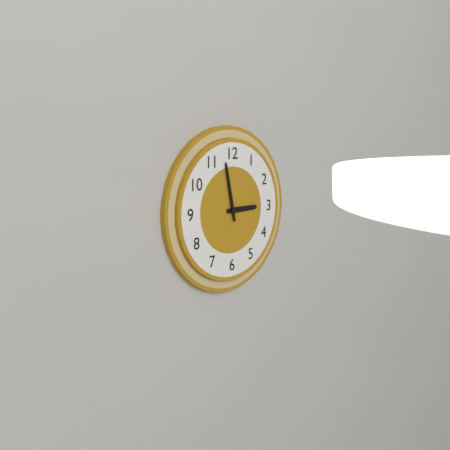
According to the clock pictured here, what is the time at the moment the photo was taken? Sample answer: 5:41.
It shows 2:58
